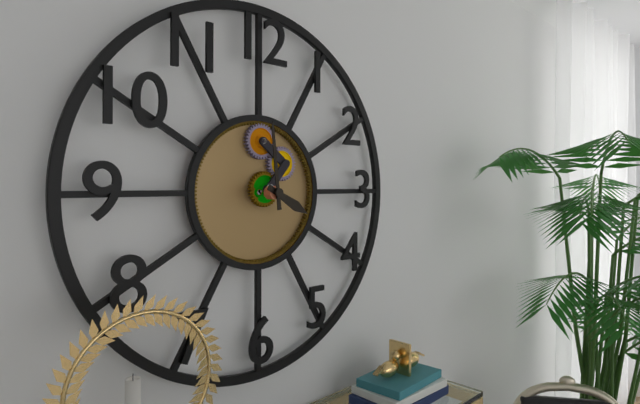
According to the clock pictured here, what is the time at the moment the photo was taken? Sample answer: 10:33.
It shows 3:59
